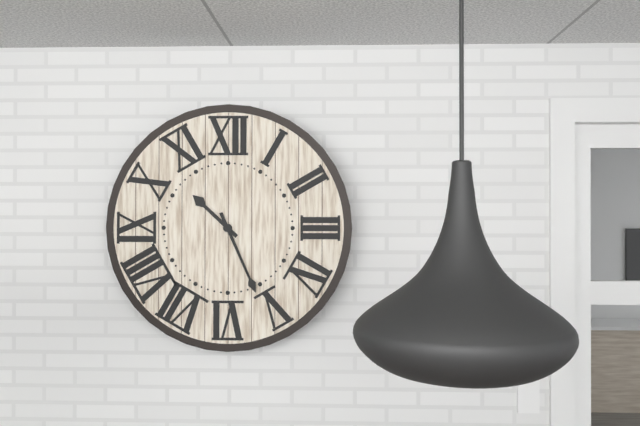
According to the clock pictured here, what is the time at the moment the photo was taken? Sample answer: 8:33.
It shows 10:26
